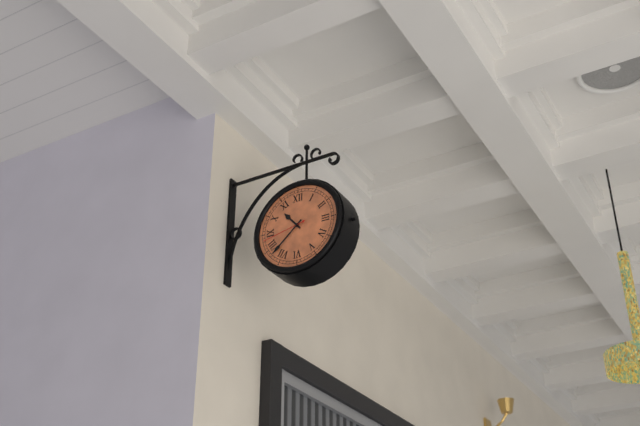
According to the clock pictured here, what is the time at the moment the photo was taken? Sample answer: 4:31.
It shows 10:38
